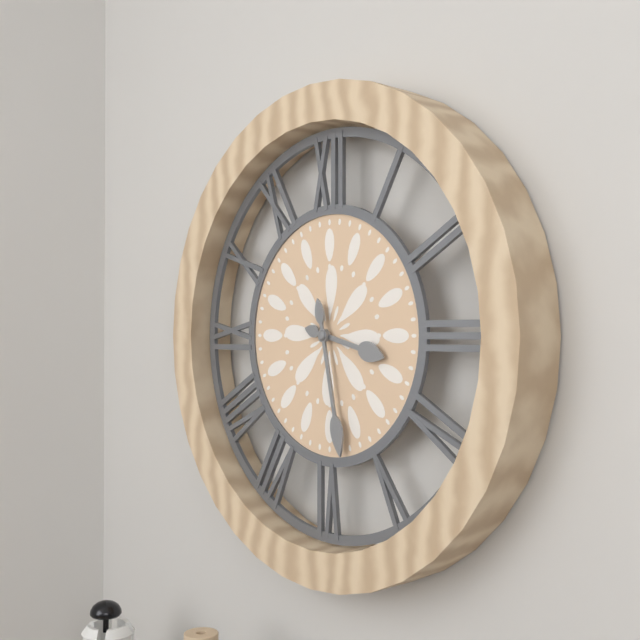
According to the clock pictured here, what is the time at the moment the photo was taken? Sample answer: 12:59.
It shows 3:28
